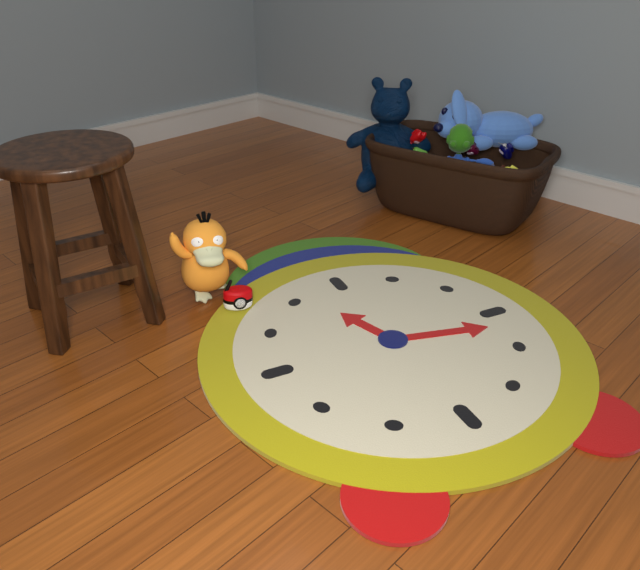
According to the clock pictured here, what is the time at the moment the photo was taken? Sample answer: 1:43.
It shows 11:17
